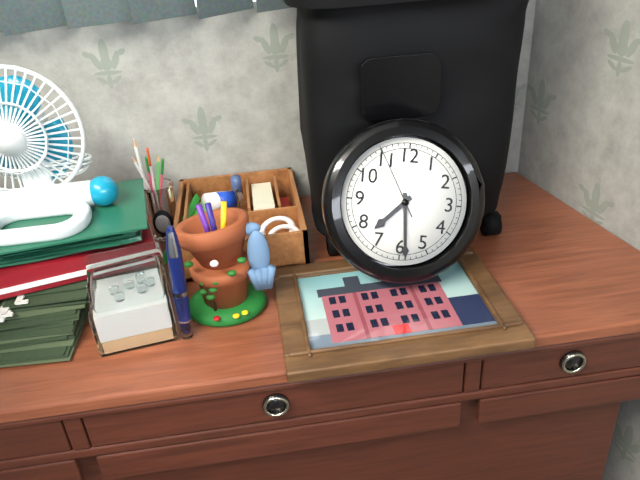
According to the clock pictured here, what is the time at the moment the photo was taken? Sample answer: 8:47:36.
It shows 7:29:55
